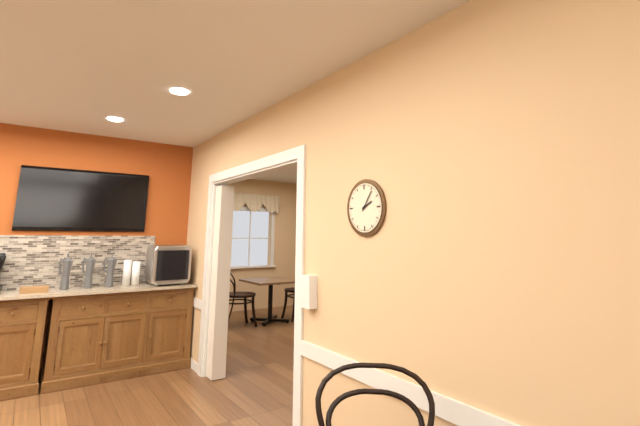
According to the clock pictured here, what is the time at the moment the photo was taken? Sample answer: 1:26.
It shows 2:06
